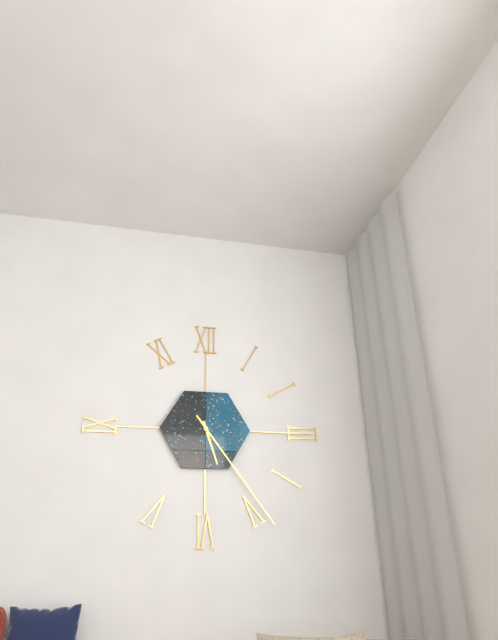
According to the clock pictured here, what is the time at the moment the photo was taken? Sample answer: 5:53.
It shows 5:24
